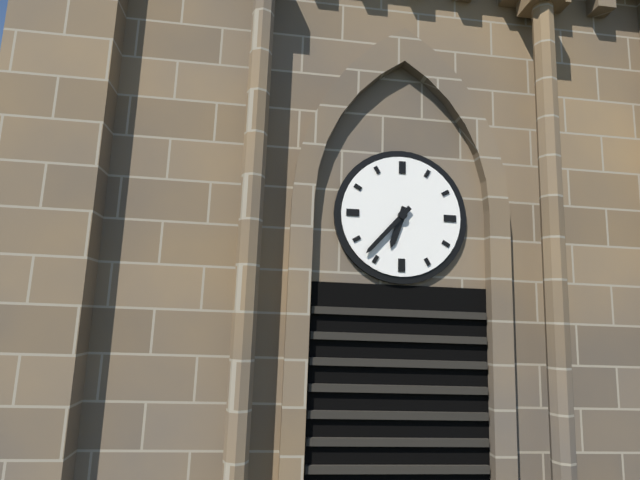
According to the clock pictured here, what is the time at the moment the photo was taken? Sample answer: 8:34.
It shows 6:37
